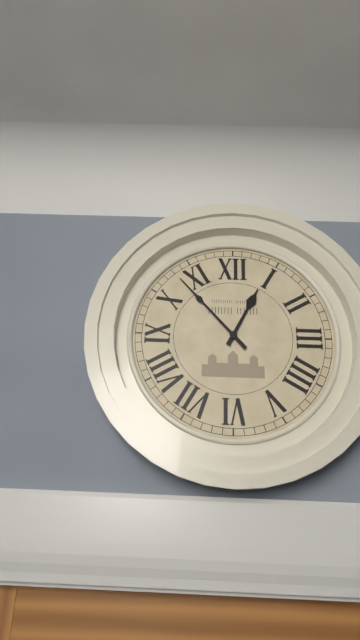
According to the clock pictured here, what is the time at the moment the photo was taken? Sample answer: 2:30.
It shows 12:53
